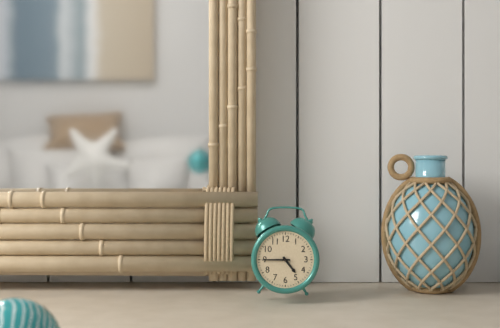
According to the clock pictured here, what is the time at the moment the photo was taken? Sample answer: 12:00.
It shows 4:45
